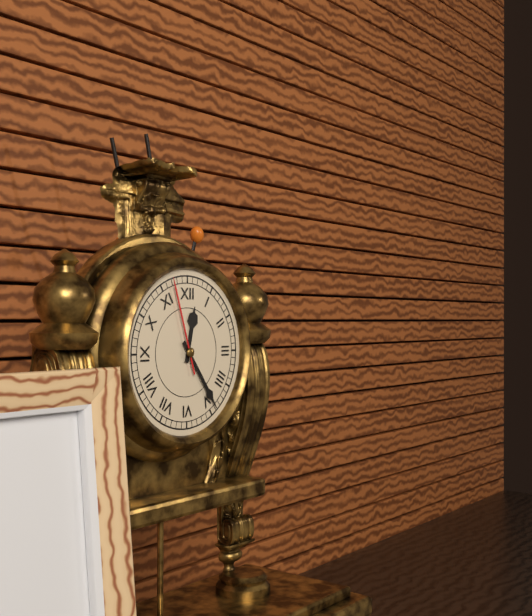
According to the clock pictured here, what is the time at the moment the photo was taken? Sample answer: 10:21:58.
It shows 12:24:57
